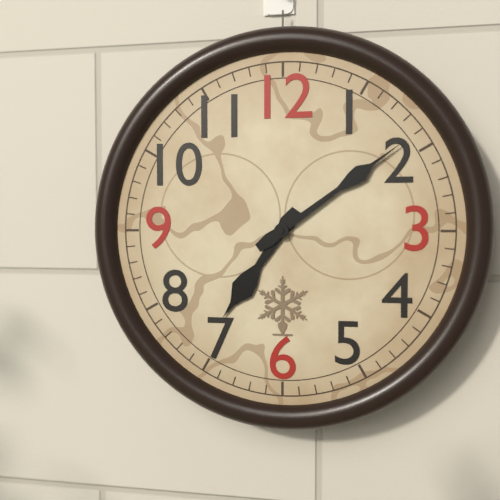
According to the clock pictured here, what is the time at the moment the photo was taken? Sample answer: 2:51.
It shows 7:09
